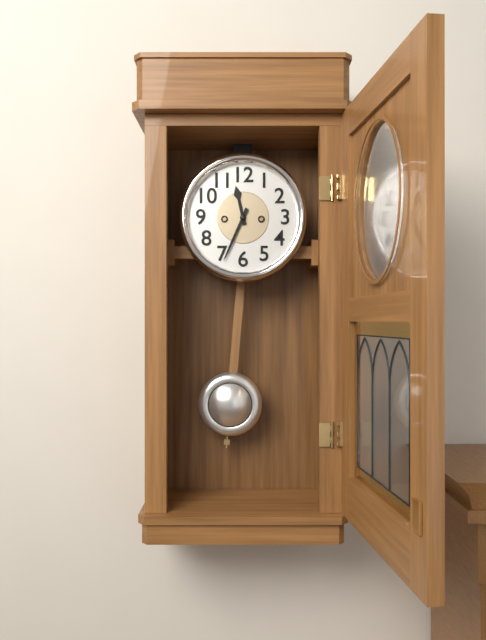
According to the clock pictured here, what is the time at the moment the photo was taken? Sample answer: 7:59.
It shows 11:34
